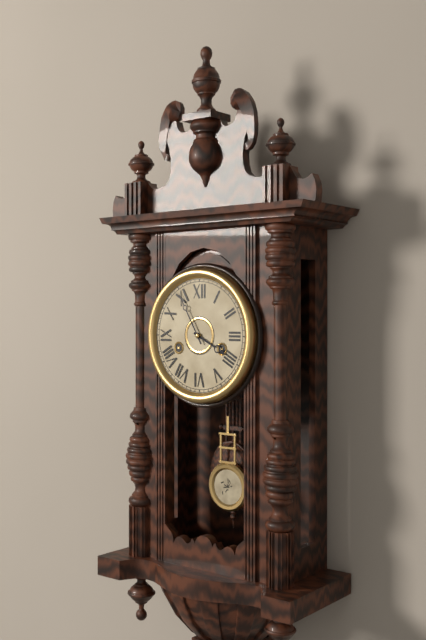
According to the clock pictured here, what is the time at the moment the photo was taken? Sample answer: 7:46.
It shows 3:55
